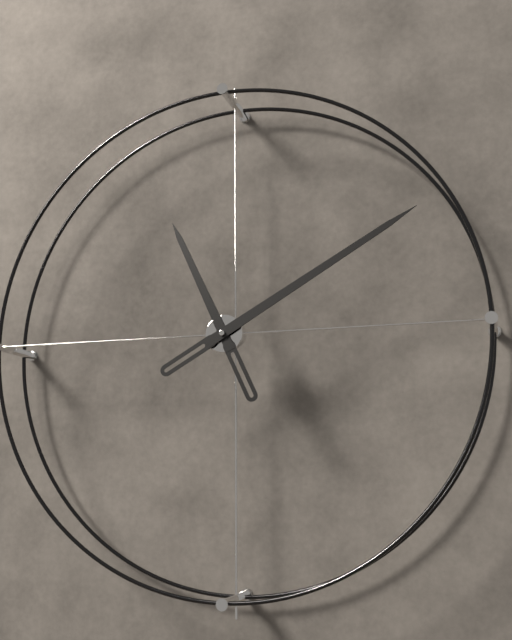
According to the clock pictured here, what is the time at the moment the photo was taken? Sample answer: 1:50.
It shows 11:10
